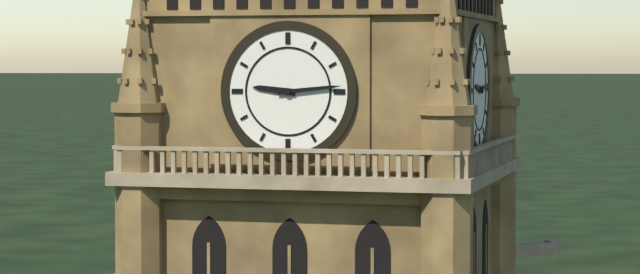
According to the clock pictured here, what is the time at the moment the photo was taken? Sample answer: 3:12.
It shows 9:14
